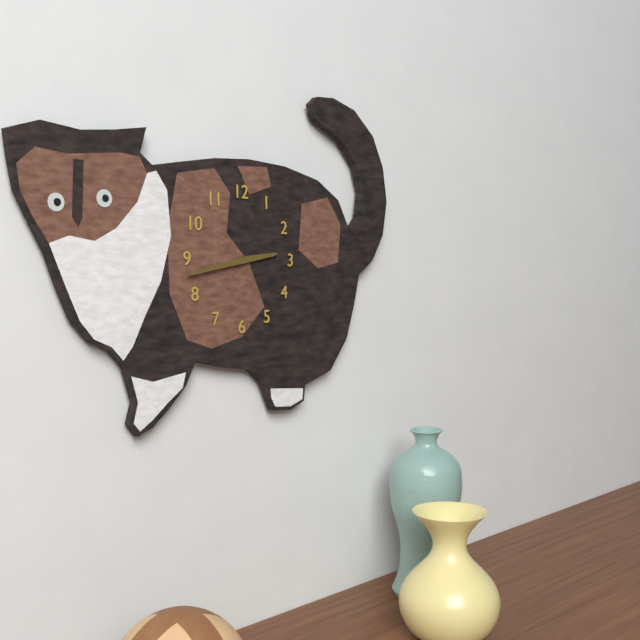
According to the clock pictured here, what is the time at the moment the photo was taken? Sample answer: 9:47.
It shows 2:43
